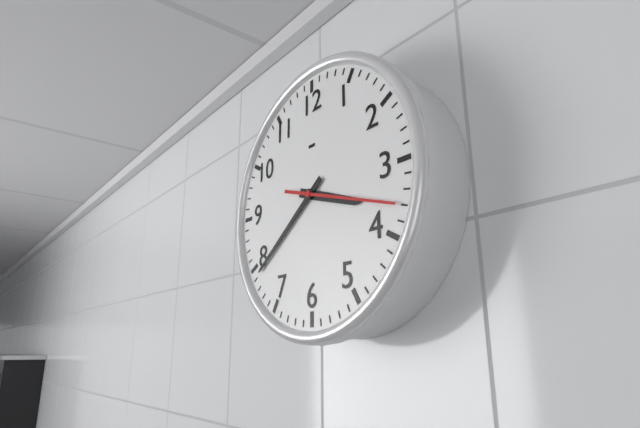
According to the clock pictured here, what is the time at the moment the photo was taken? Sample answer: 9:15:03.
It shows 3:39:18
